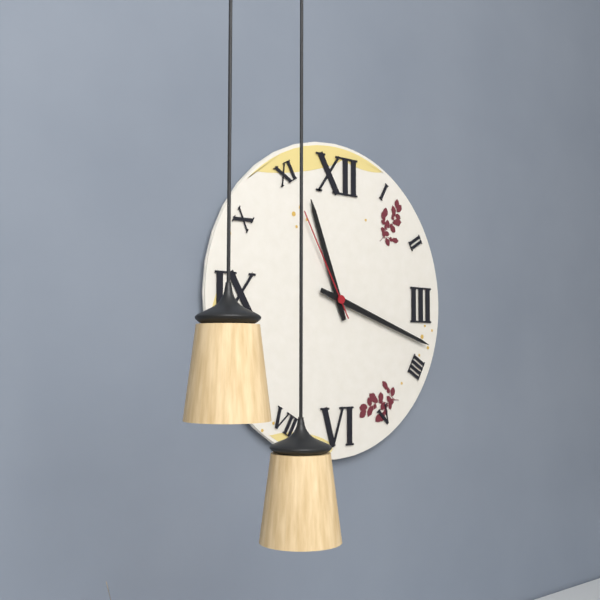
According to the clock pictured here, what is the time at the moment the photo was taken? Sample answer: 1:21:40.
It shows 11:18:55
